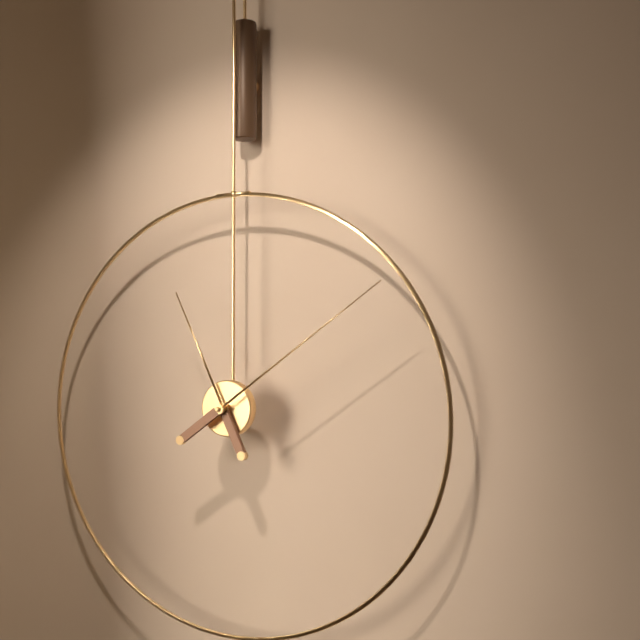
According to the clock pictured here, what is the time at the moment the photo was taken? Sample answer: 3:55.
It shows 11:09
